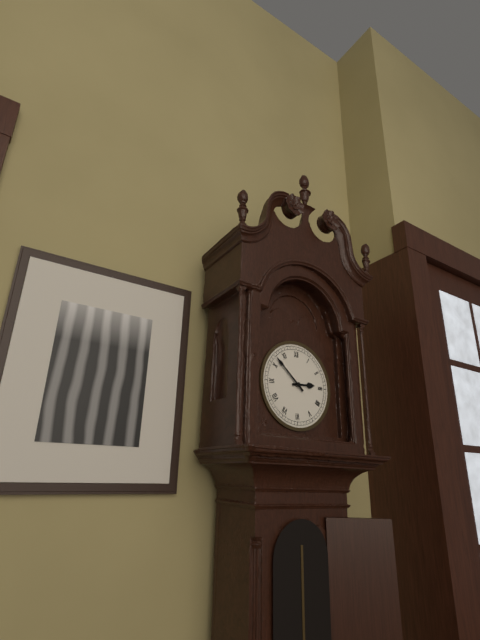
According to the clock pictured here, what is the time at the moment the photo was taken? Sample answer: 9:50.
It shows 2:52
